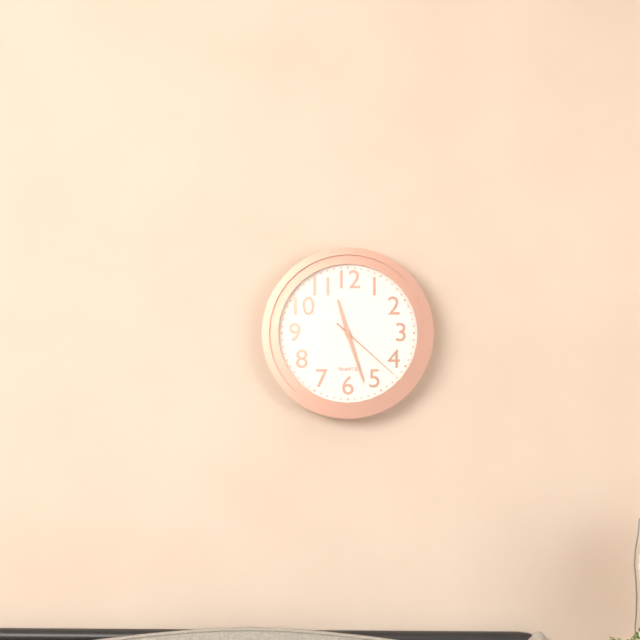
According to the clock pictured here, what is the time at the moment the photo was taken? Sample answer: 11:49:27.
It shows 11:27:22
